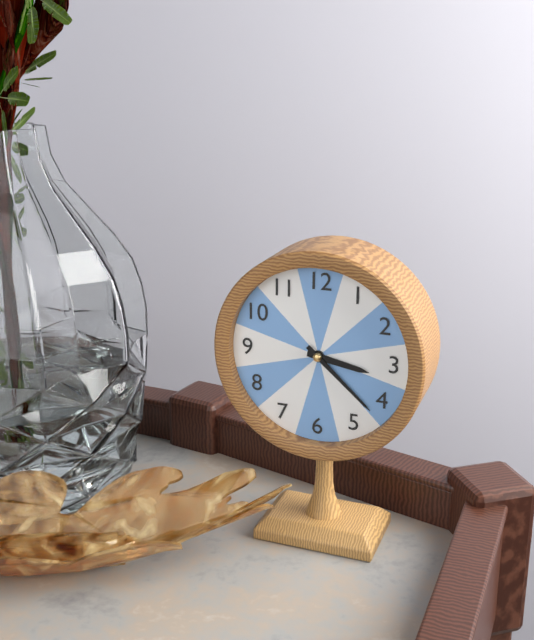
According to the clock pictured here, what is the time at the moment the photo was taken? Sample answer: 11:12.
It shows 3:22
